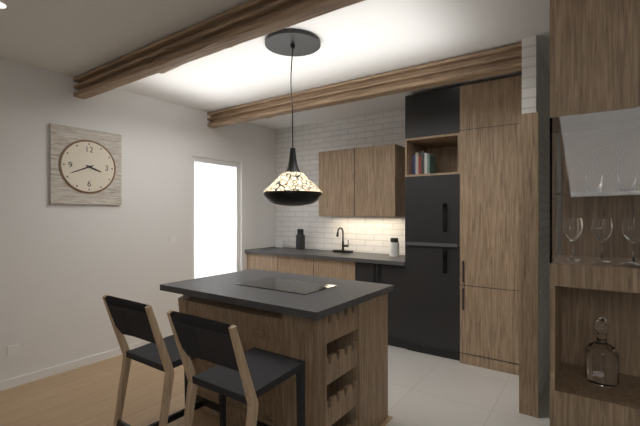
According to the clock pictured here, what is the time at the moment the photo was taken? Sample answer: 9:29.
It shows 3:41
